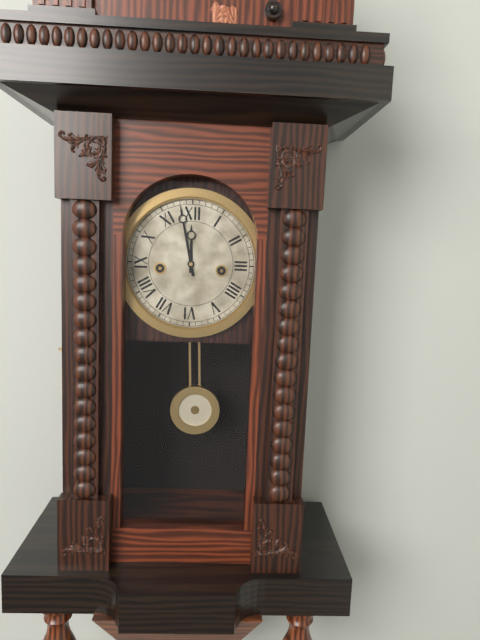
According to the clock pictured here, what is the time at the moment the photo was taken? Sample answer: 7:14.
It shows 11:58
